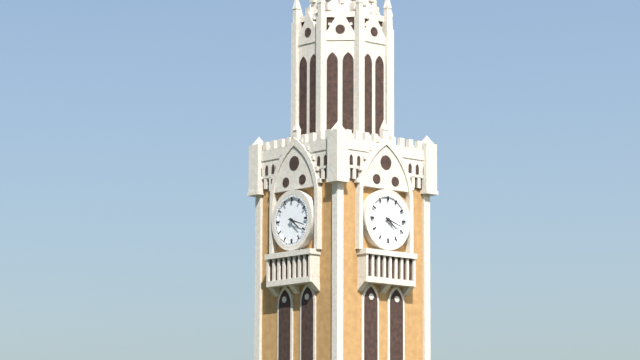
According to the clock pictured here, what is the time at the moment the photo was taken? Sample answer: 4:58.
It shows 4:18
